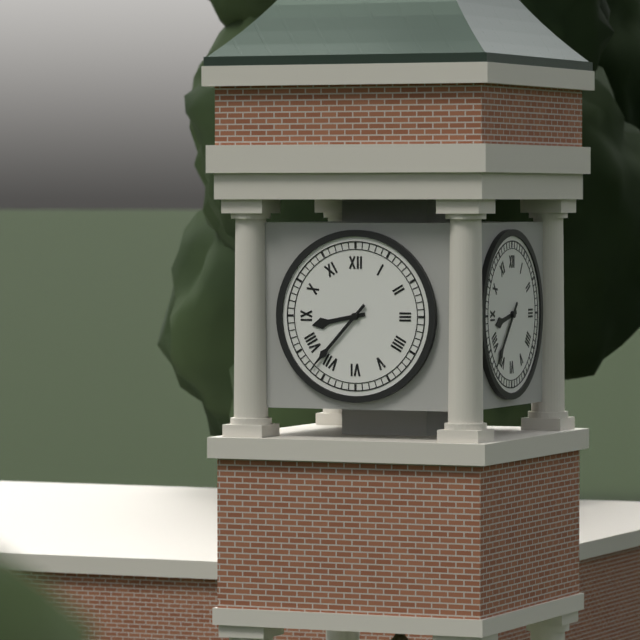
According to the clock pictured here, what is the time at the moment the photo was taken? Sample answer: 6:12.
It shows 8:37
